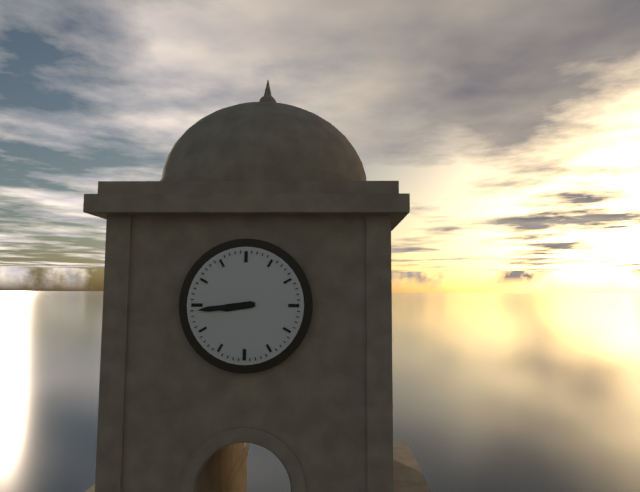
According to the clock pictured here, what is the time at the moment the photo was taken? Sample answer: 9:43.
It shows 8:44
